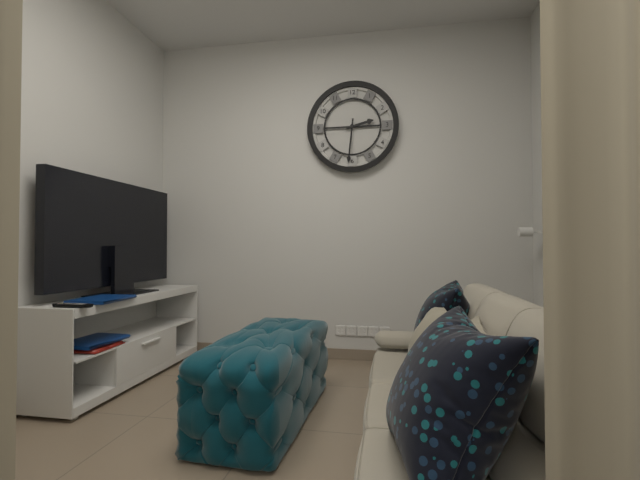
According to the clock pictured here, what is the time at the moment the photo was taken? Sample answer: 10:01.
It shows 2:31
